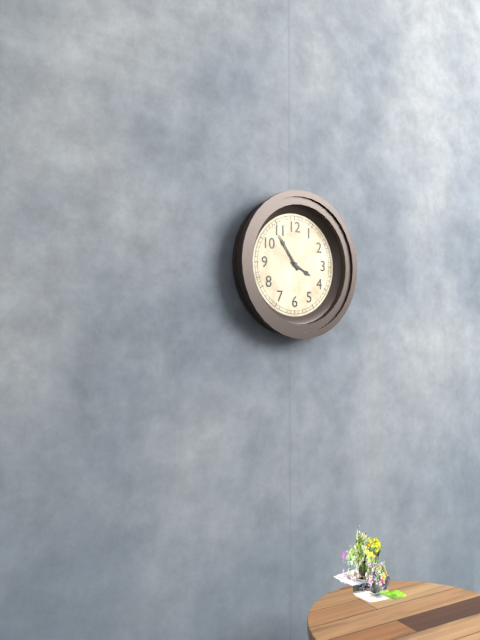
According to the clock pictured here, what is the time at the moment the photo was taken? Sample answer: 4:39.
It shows 3:54
